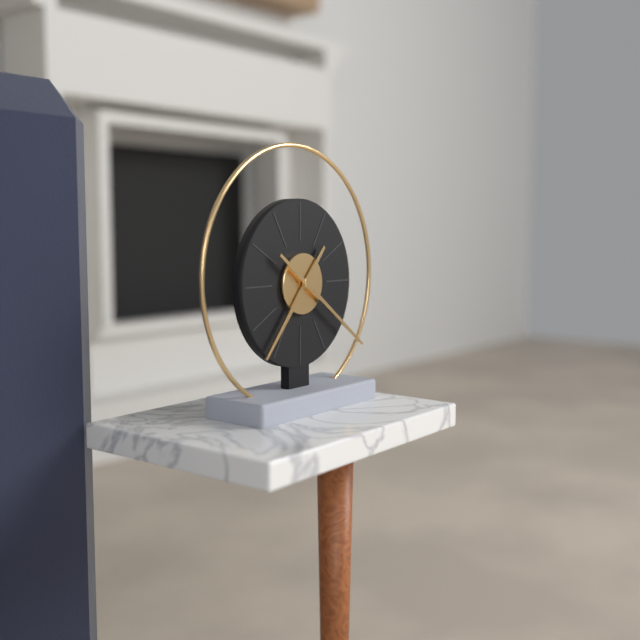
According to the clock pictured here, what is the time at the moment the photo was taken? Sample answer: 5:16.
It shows 7:21
